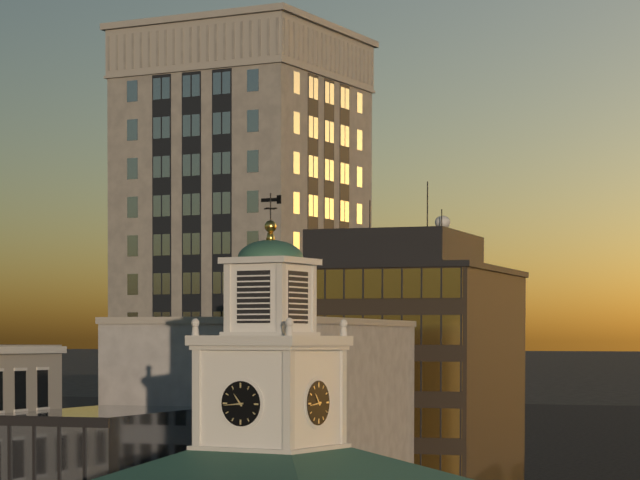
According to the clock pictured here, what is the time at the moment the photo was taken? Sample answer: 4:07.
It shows 10:44
